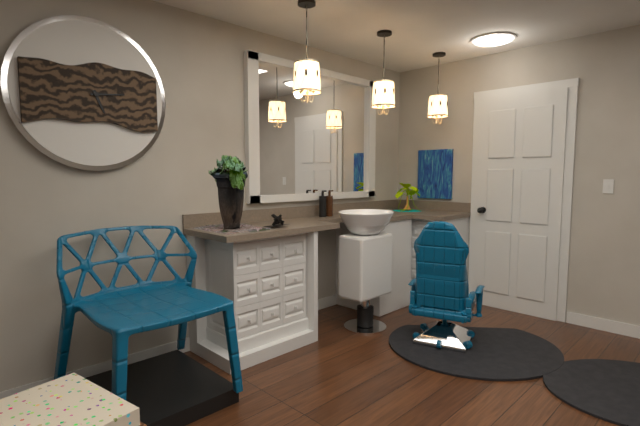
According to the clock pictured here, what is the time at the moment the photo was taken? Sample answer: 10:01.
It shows 5:14
